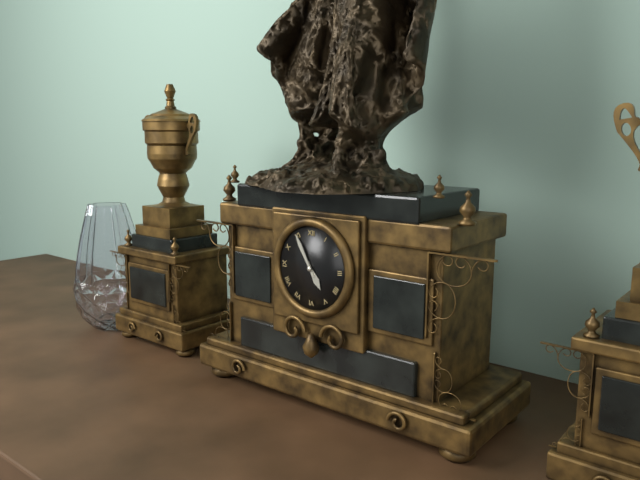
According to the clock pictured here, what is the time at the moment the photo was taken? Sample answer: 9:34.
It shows 4:55
